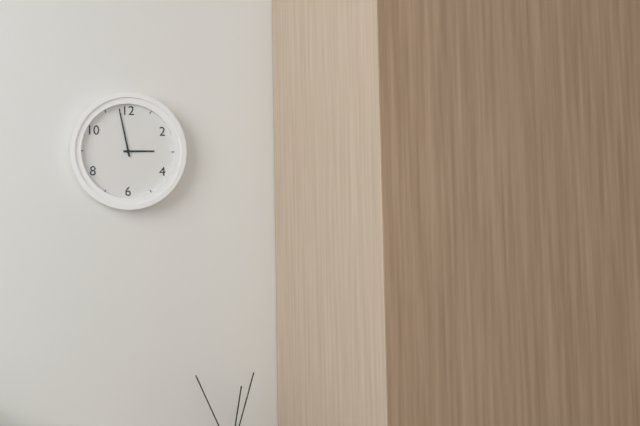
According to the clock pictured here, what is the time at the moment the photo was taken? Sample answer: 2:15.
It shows 2:58
